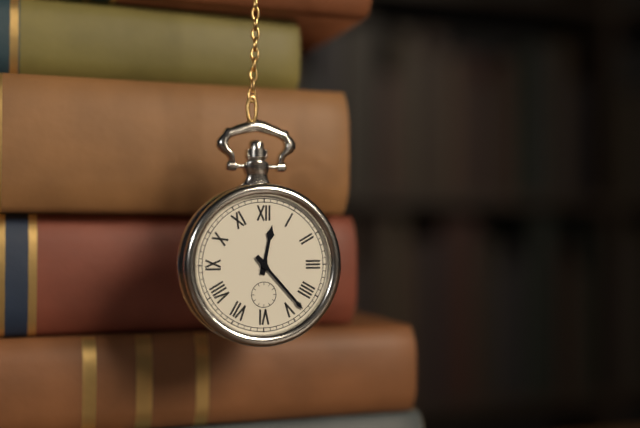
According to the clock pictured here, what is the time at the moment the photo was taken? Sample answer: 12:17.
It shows 12:23
